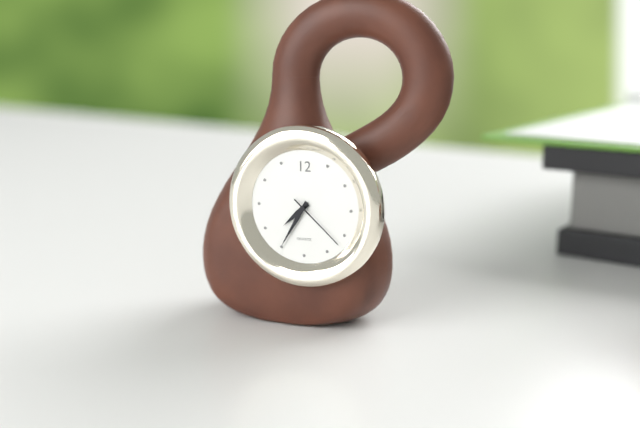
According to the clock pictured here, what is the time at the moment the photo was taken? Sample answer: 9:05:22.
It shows 7:35:22
